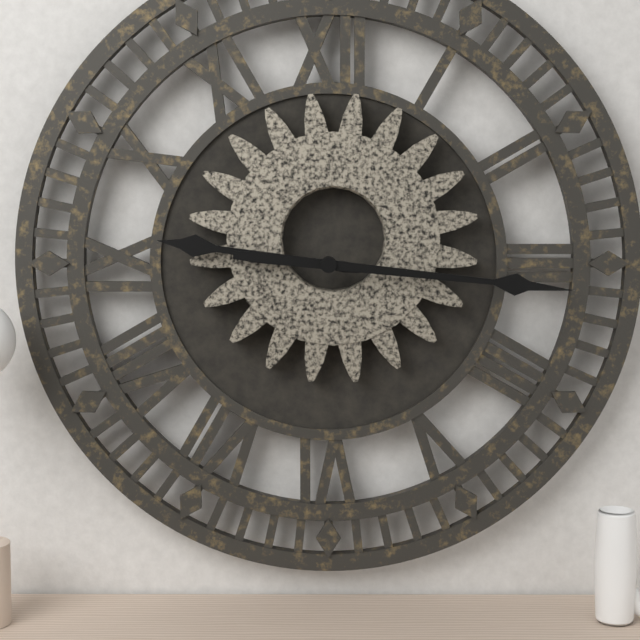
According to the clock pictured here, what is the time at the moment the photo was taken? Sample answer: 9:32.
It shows 9:16
